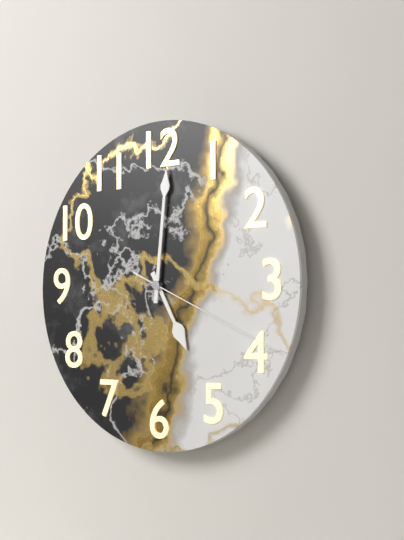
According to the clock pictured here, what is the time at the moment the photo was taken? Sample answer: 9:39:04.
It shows 5:01:19
